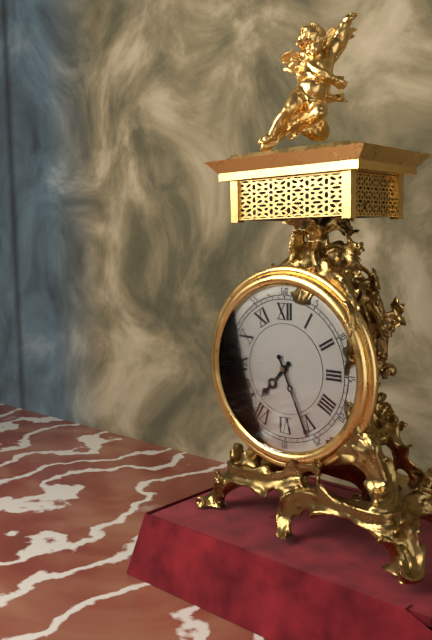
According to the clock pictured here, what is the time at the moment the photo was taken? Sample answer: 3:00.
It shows 7:26
